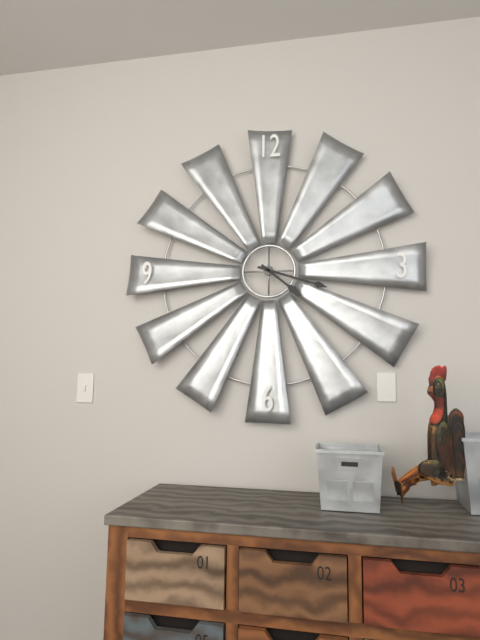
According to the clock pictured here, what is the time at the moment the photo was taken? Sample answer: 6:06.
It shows 4:18
